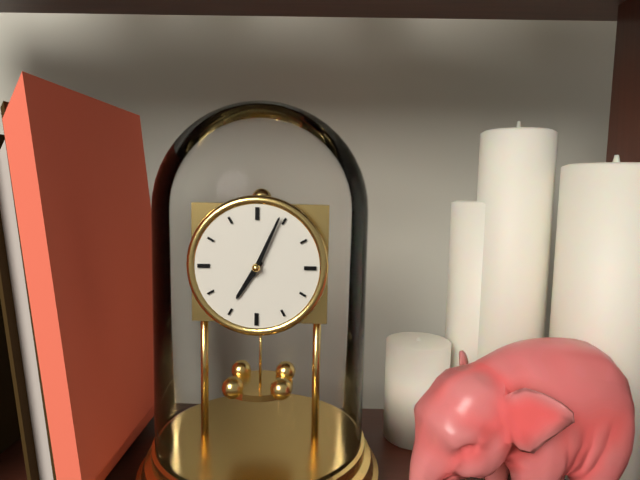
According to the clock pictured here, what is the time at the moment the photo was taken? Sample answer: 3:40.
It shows 7:04
